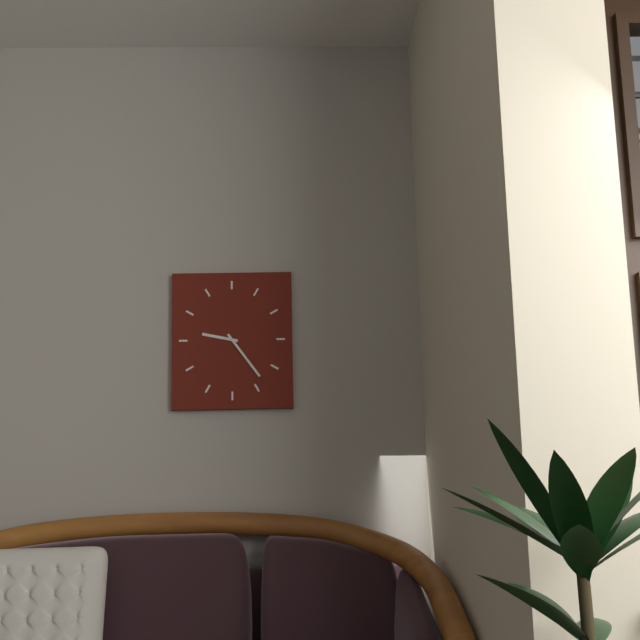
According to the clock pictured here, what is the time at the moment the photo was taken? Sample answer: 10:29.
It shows 9:24
